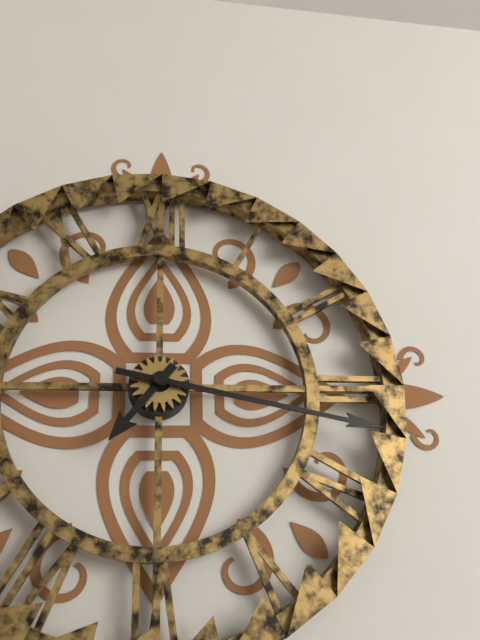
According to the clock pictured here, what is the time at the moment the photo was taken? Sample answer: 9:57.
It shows 7:17
